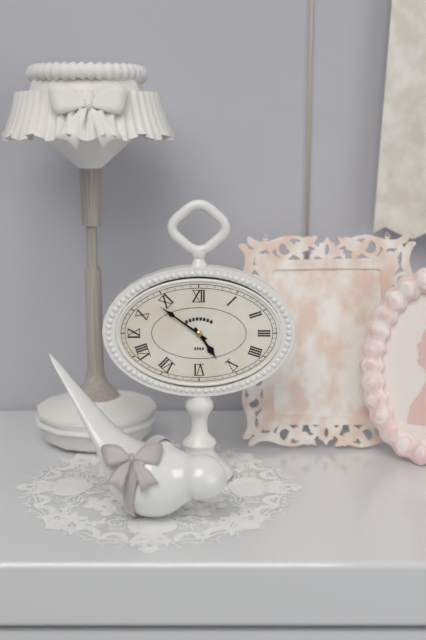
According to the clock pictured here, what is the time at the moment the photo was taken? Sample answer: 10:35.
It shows 4:51
